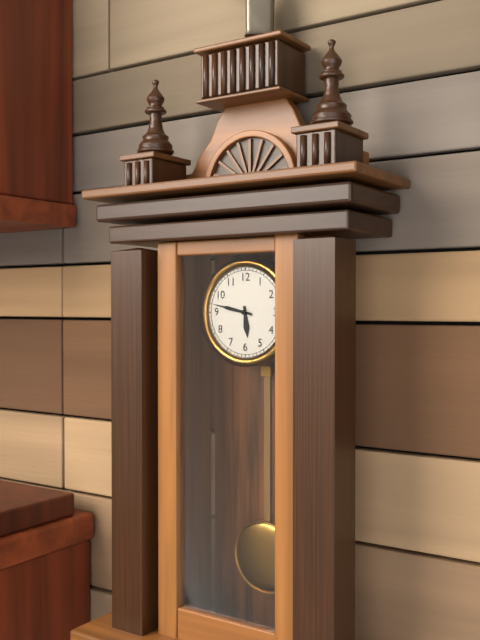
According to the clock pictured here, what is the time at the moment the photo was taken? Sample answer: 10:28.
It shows 5:47
